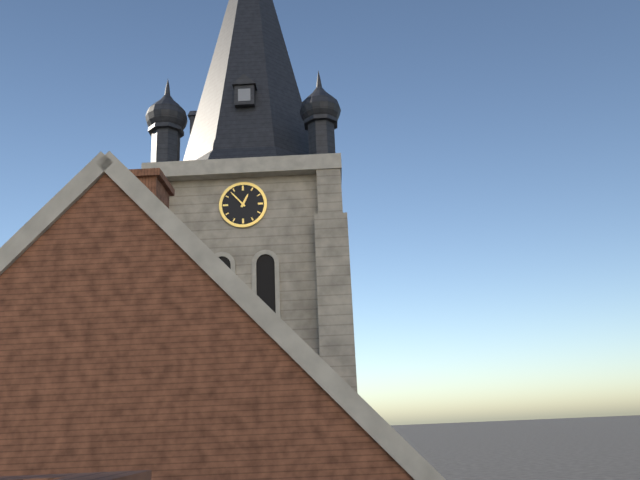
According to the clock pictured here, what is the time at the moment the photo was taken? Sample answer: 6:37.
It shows 12:53
